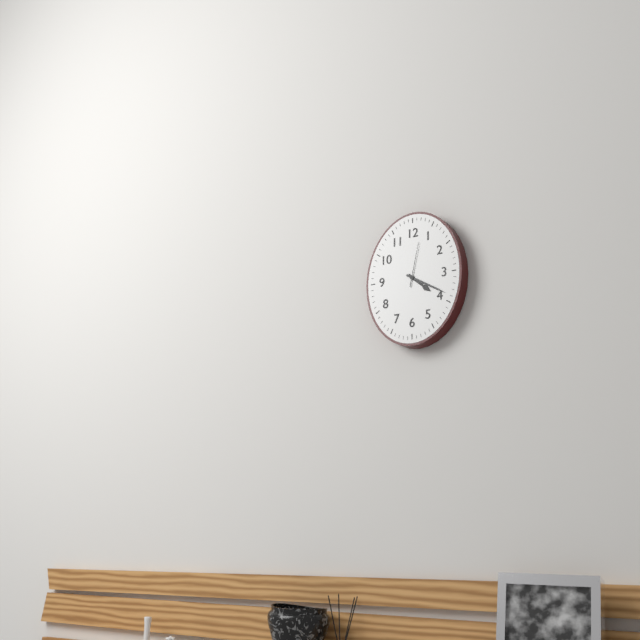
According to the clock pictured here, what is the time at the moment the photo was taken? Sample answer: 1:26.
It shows 4:20
